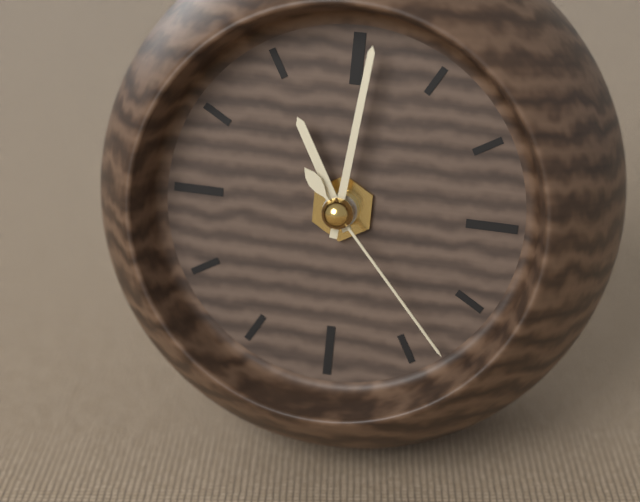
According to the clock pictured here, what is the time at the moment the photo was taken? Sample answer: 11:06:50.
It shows 11:01:23
